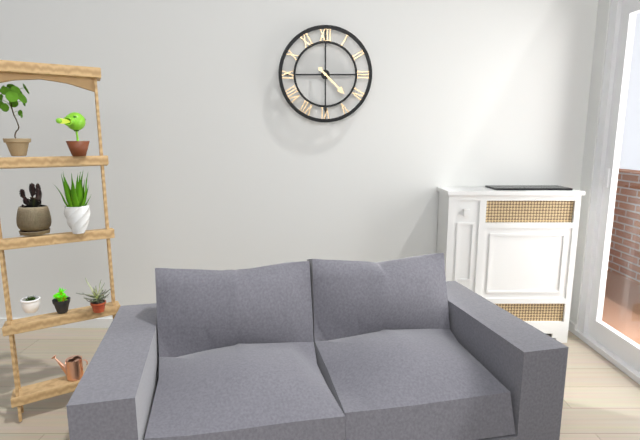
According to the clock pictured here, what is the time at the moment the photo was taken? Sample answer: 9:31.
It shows 4:30
